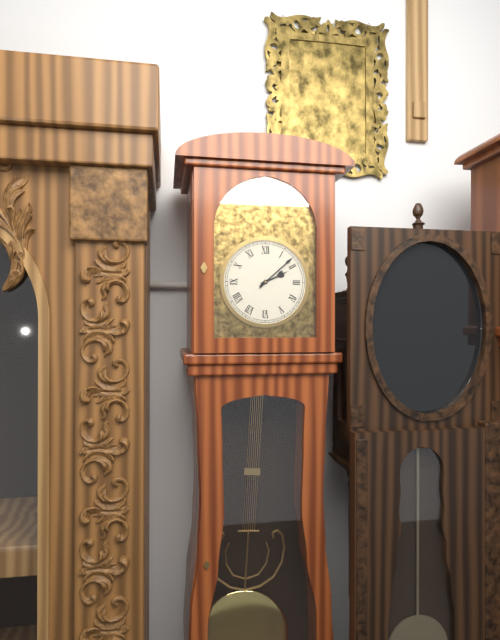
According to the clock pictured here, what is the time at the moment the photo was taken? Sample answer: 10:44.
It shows 2:08
